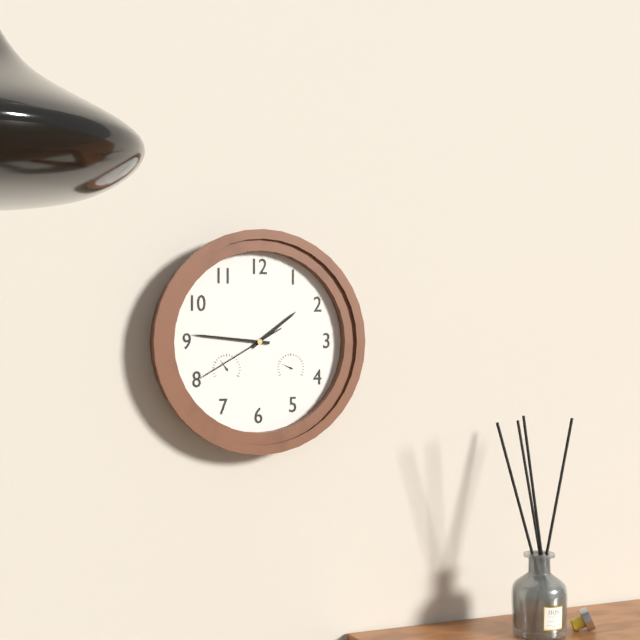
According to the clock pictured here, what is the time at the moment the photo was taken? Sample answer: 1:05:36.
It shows 1:46:40
